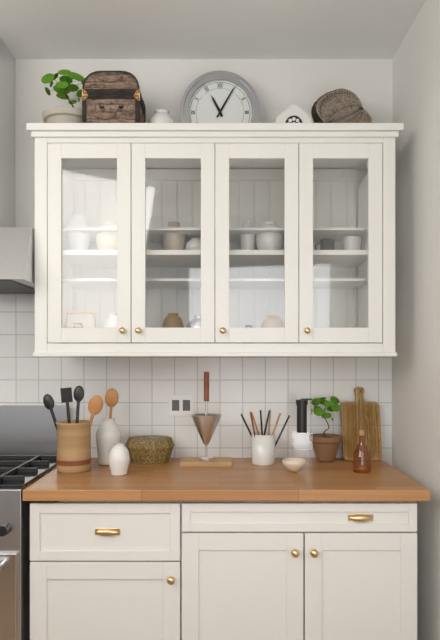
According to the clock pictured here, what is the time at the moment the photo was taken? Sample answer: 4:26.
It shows 11:05
